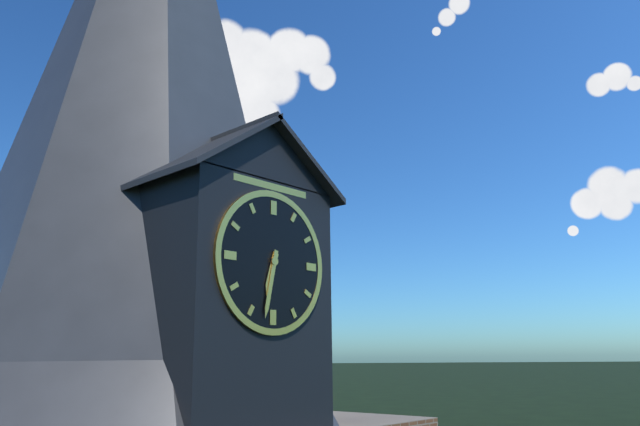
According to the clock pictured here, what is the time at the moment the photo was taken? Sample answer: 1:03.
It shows 6:32
